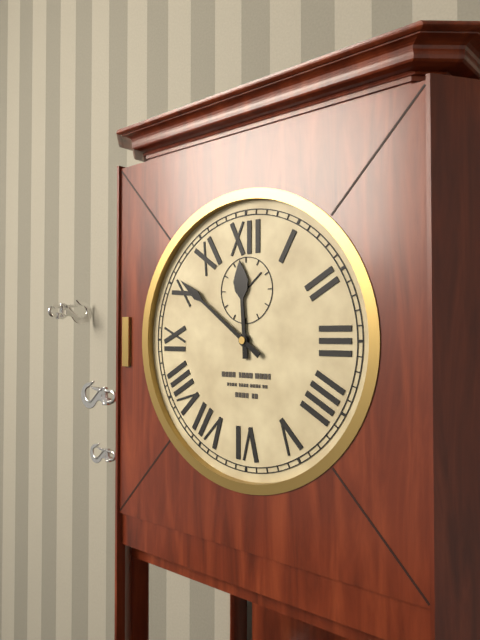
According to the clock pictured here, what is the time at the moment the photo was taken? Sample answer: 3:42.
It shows 11:51
